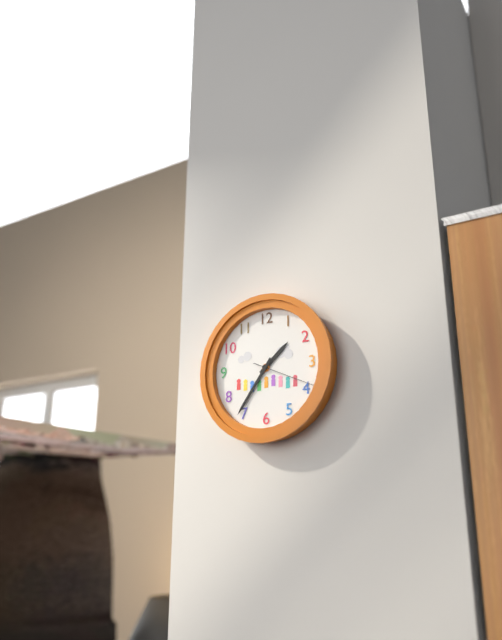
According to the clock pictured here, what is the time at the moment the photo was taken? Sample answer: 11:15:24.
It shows 1:36:19
